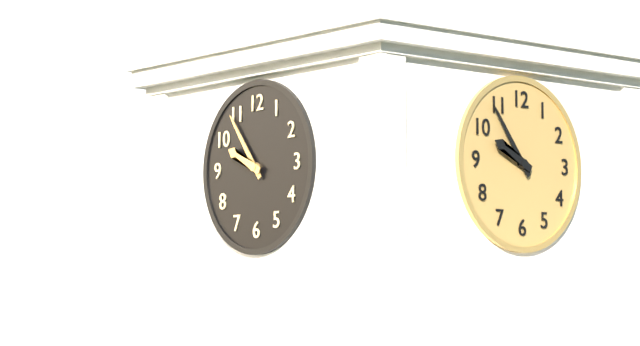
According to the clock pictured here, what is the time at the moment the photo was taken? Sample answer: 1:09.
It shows 9:54
